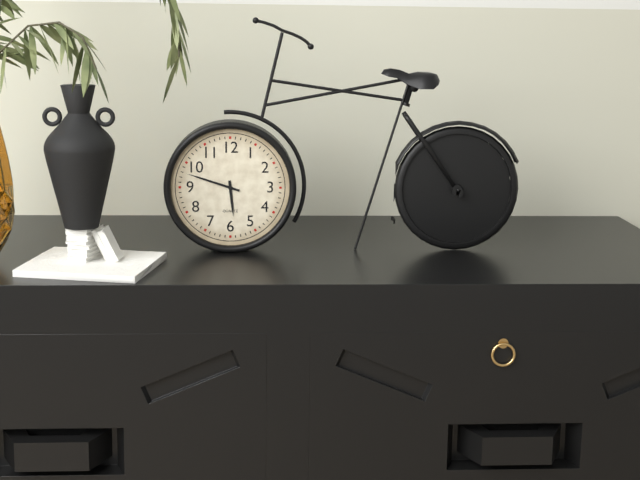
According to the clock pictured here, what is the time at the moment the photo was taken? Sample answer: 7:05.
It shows 5:48
